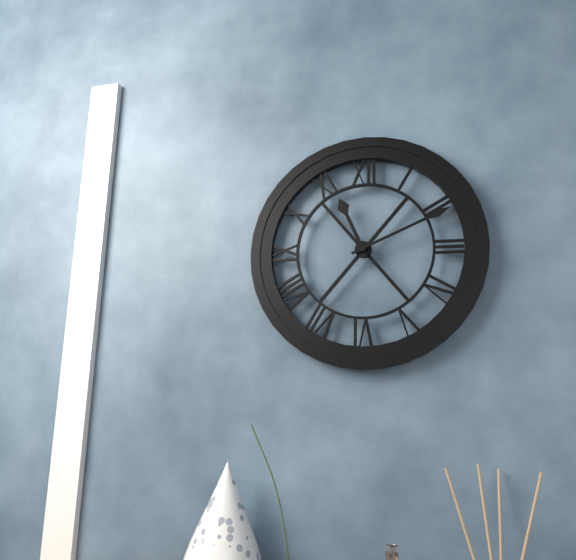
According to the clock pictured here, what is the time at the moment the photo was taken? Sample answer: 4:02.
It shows 11:11
